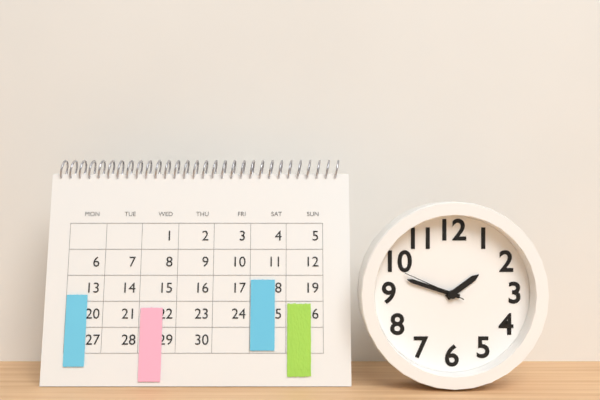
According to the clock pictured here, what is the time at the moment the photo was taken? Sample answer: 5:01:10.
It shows 1:48:49
